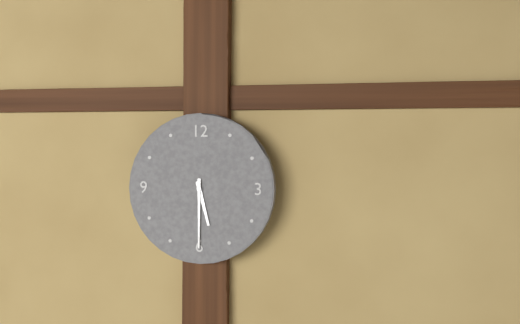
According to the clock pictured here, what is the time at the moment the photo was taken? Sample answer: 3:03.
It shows 5:30
